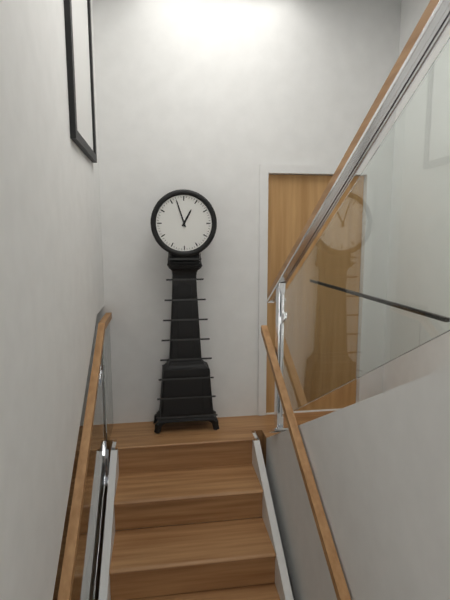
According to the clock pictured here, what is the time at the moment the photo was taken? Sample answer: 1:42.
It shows 12:57
